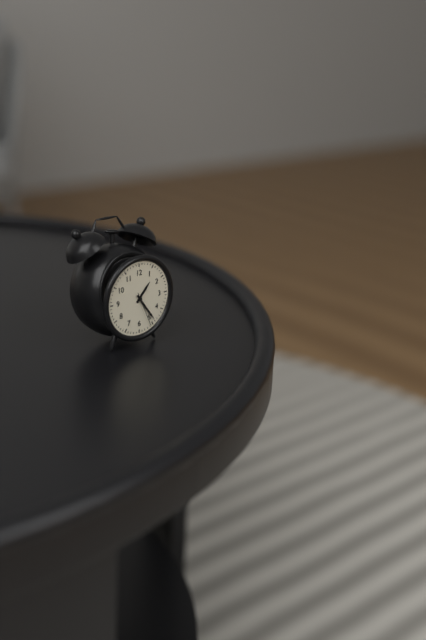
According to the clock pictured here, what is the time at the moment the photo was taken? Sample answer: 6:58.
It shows 1:24
